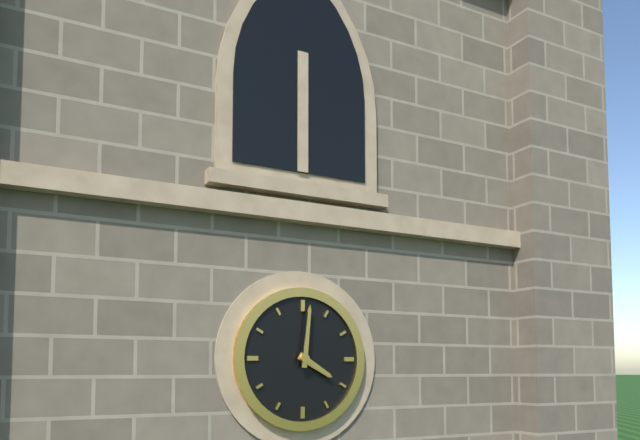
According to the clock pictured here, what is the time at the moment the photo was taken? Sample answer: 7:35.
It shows 4:01
